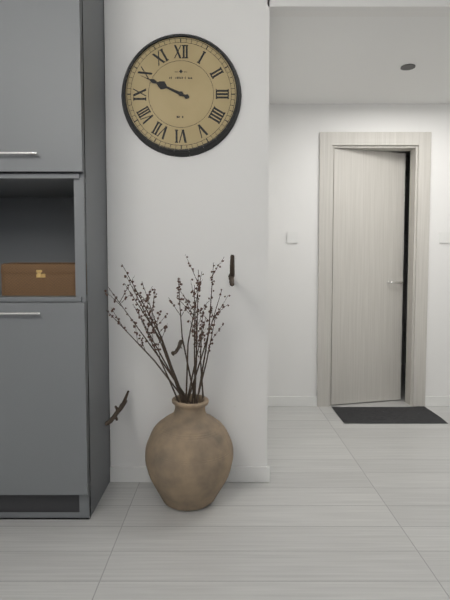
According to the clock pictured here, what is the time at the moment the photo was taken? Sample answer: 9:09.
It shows 9:49
